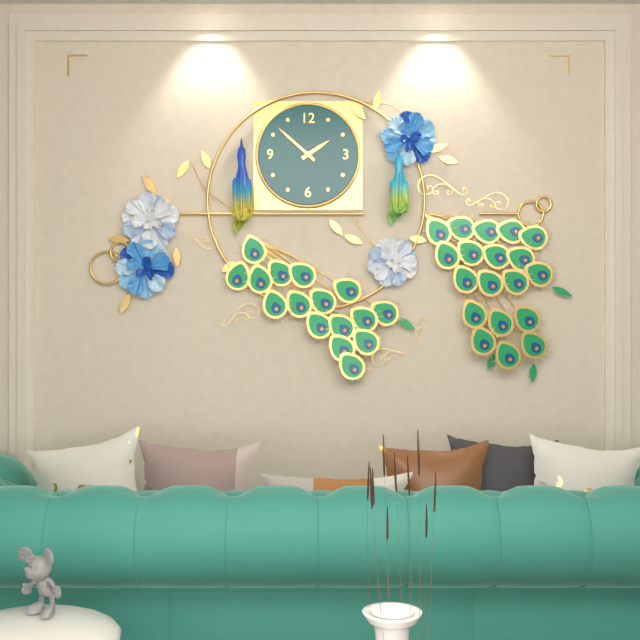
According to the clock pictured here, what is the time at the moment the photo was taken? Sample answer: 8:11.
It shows 1:52
